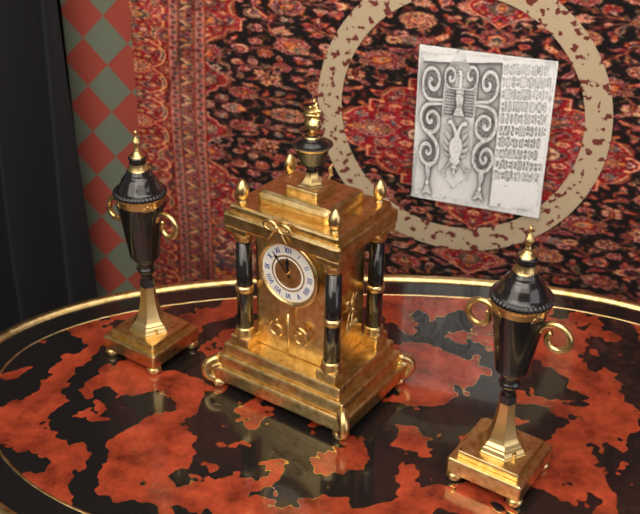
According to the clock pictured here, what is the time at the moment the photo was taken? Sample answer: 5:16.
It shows 11:53
